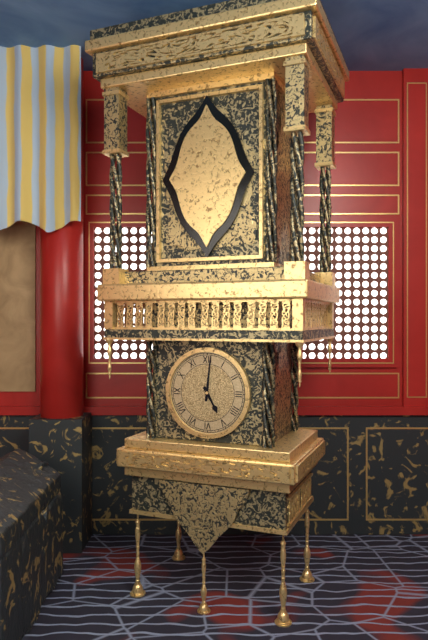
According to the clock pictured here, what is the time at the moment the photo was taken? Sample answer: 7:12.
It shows 5:01
